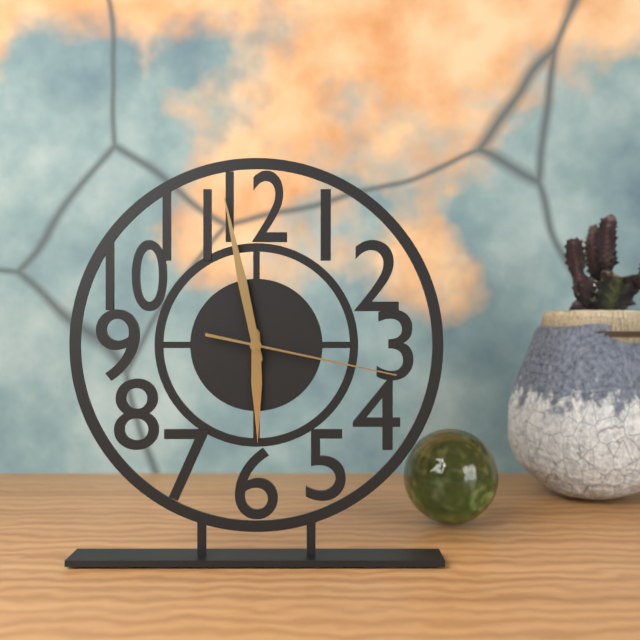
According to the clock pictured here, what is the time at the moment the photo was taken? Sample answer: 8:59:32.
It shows 5:58:17
